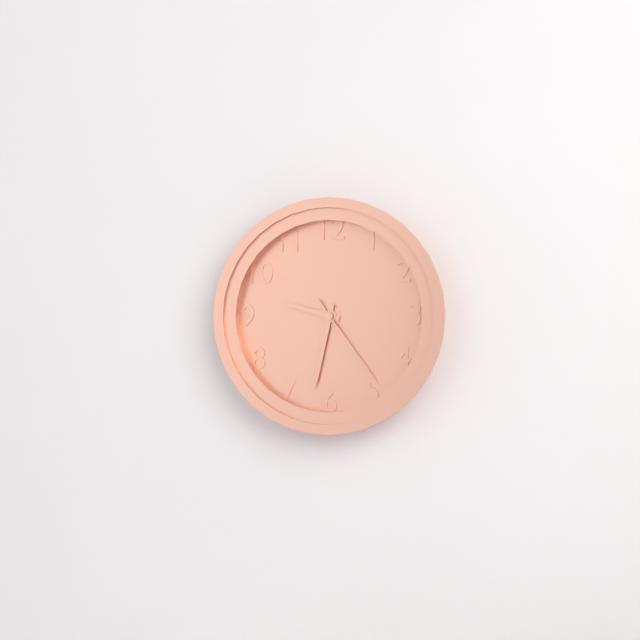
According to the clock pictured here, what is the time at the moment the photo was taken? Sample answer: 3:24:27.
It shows 9:32:24
